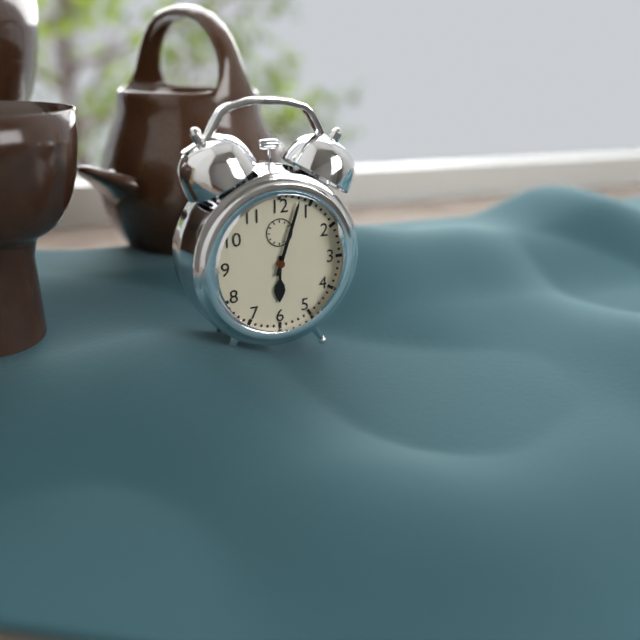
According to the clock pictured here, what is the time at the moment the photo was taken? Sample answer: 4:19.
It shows 6:03
